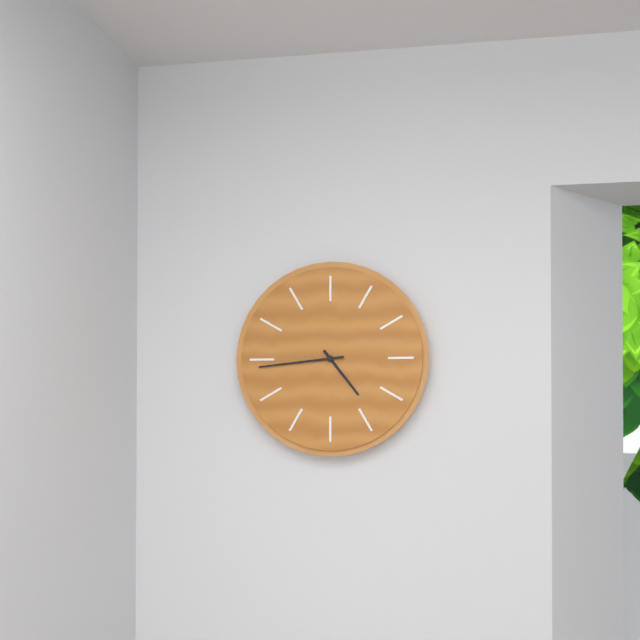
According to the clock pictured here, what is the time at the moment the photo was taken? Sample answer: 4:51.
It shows 4:44
